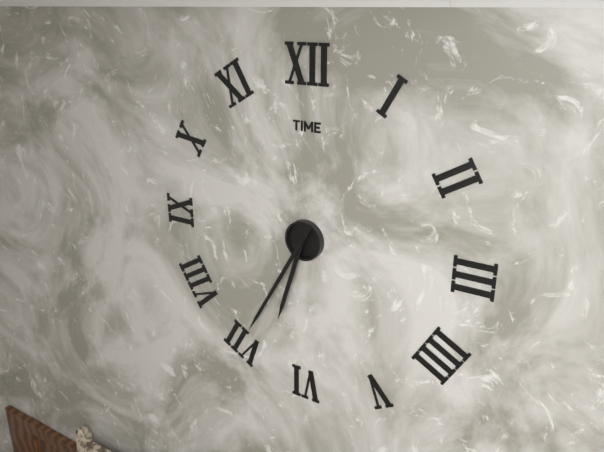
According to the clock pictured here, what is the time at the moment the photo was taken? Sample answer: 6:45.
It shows 6:35
